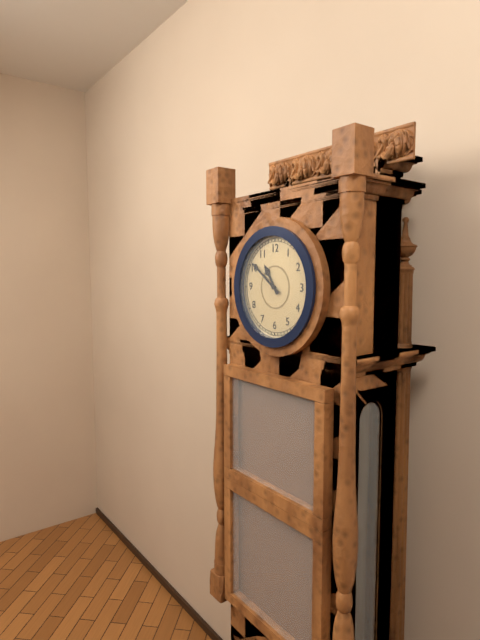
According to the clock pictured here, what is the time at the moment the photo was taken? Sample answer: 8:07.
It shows 10:51
